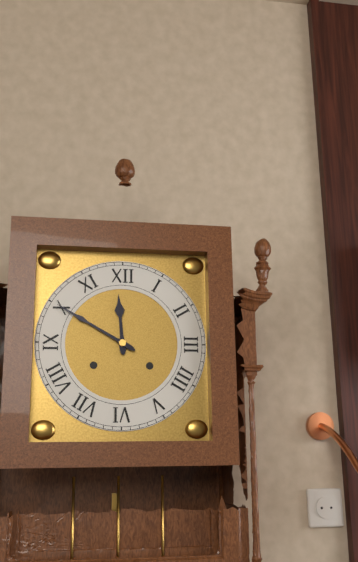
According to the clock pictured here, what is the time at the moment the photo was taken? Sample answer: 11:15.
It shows 11:50
